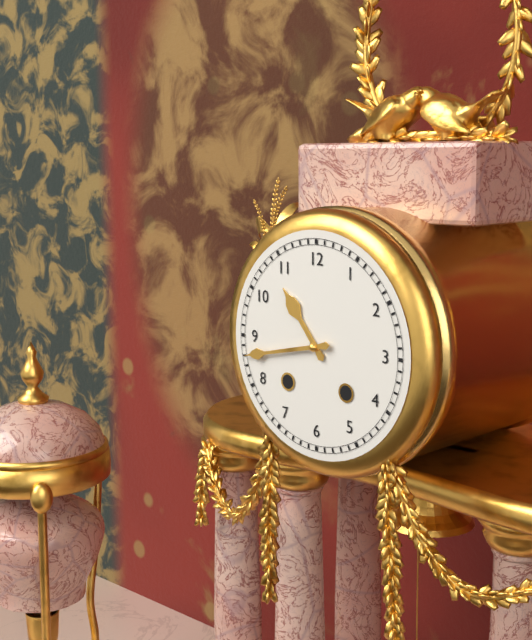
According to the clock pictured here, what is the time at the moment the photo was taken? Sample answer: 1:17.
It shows 10:43
